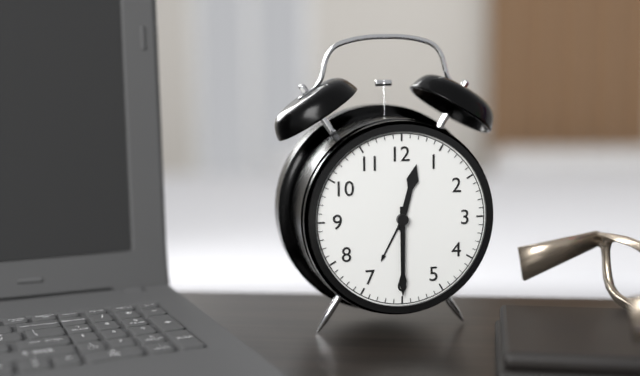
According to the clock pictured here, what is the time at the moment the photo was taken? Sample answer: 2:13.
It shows 12:30
